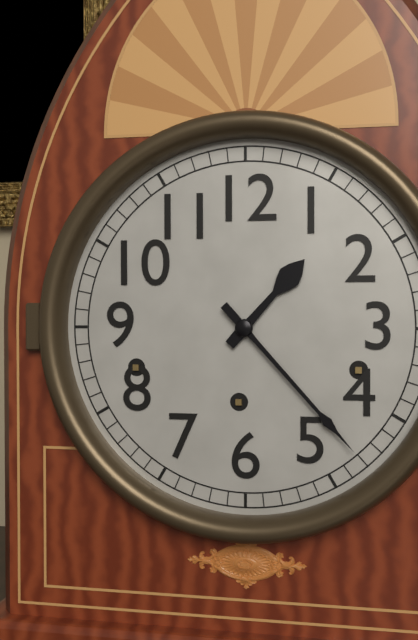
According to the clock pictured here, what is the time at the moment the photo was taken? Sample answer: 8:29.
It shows 1:23
